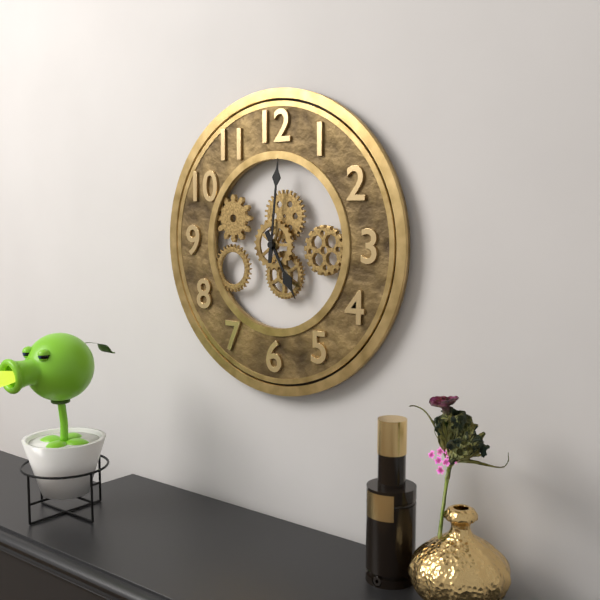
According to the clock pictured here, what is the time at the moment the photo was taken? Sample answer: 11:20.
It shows 5:01
